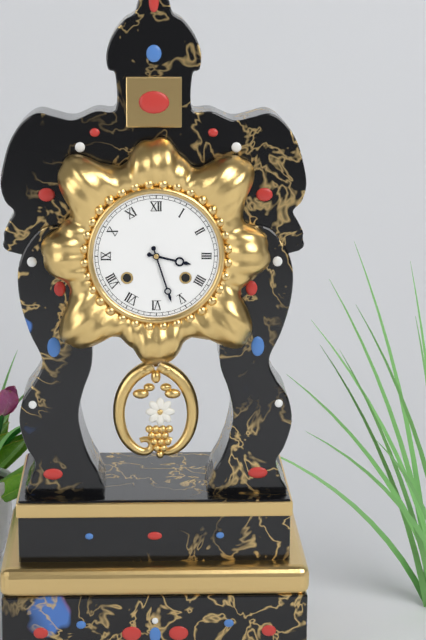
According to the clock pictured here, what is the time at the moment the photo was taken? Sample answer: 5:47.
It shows 3:27
